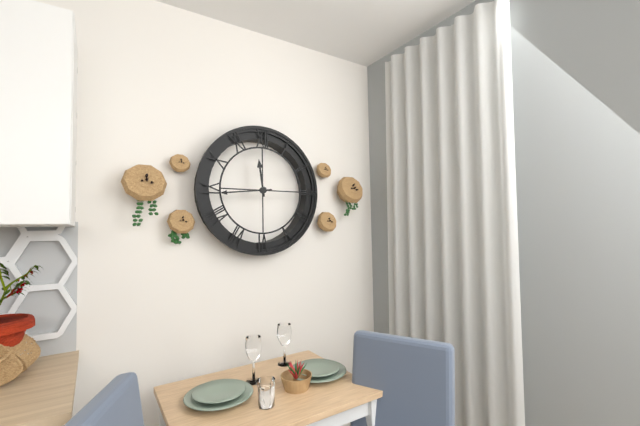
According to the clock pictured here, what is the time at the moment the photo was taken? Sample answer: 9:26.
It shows 11:44
